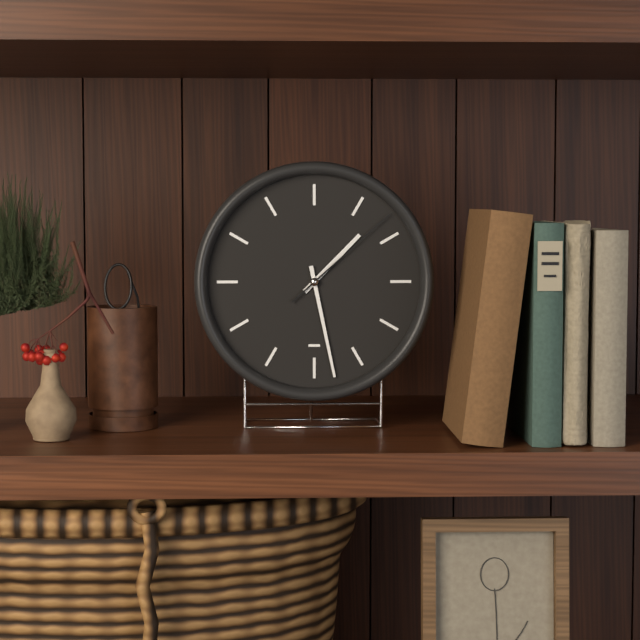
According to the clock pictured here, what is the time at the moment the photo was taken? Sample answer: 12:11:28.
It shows 1:28:08
